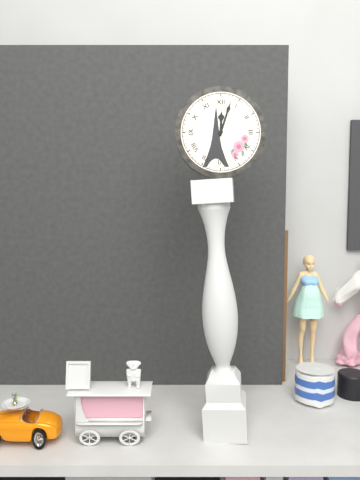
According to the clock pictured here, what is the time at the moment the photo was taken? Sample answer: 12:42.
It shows 12:03
